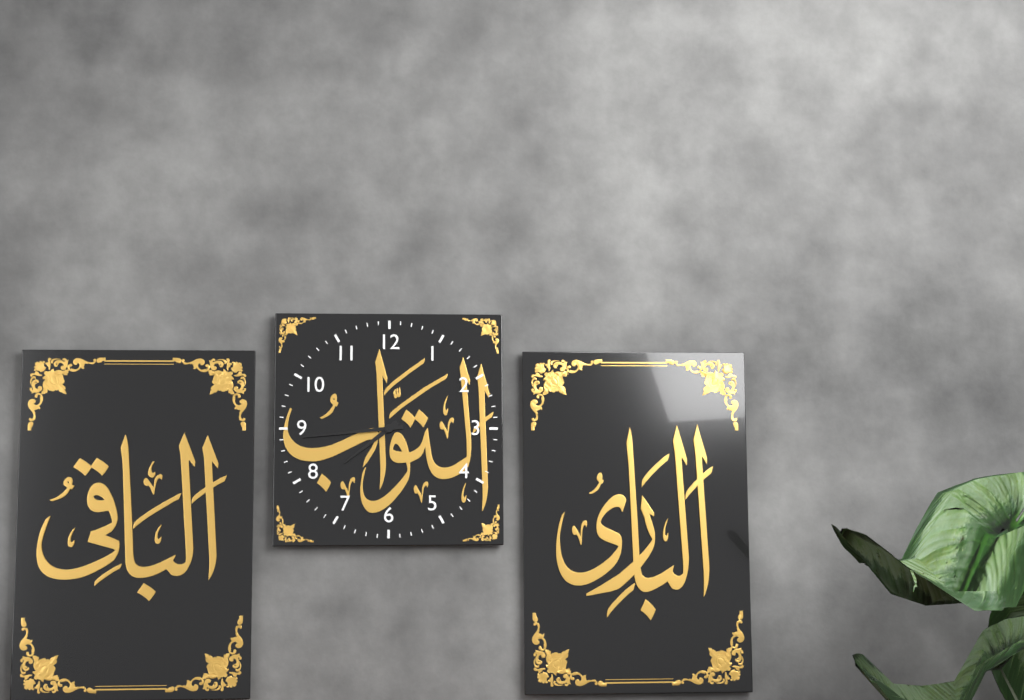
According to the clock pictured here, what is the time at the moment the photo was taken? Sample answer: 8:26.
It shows 7:44
